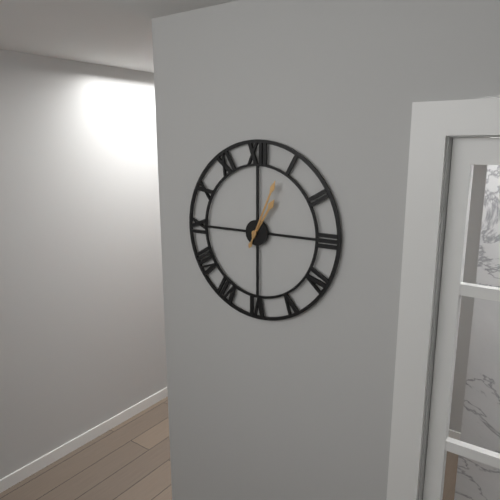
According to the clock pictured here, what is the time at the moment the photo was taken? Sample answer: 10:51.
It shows 1:04
